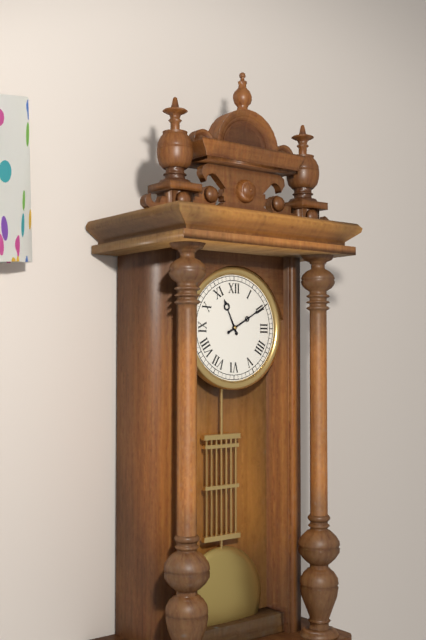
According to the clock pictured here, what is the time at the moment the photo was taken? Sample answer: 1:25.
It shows 11:10
